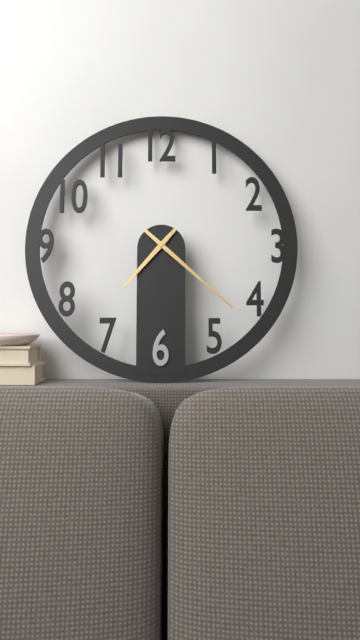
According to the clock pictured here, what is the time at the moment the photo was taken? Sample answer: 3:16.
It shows 7:22
